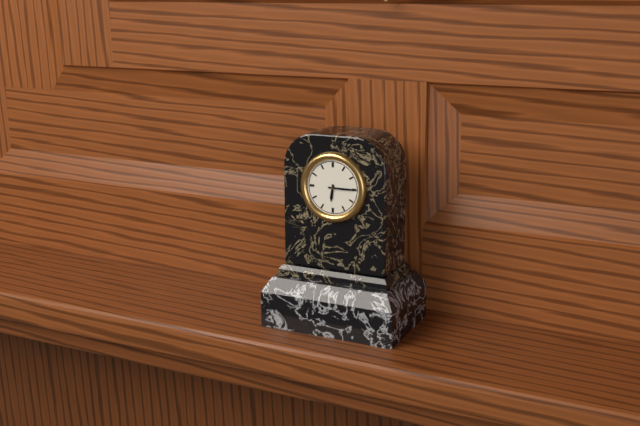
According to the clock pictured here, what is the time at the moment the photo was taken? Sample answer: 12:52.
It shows 6:15
